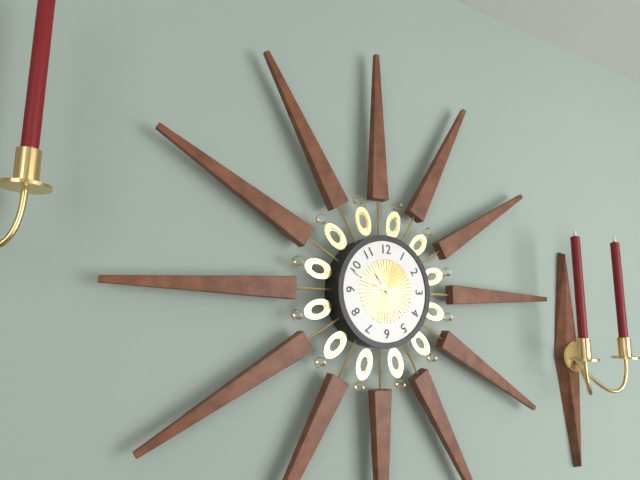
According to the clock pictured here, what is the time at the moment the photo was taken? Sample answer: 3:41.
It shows 10:49
